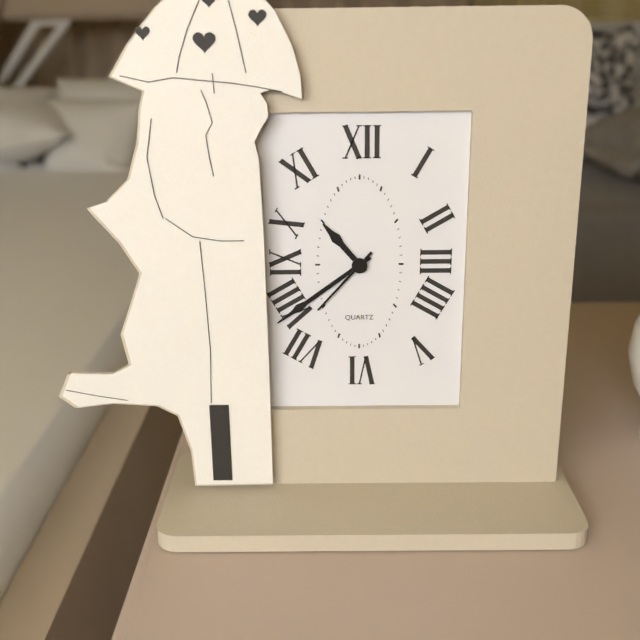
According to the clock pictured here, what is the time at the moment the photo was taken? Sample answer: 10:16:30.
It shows 10:39:37
